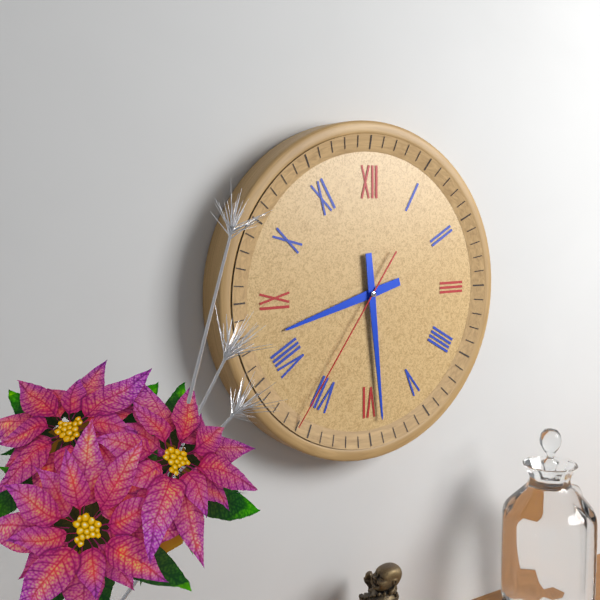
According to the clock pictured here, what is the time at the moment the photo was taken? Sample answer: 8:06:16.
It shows 8:29:36
